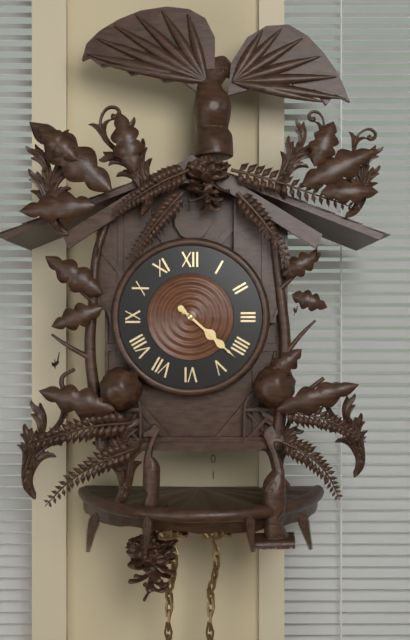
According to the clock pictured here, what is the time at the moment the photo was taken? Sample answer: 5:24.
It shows 4:22
